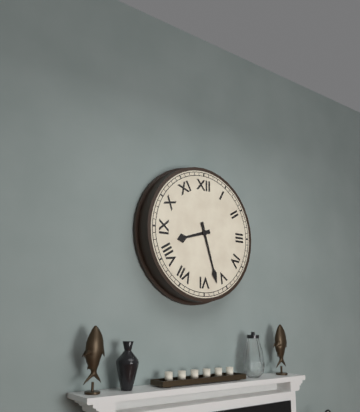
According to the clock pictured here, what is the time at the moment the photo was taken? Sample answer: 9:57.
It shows 8:27
